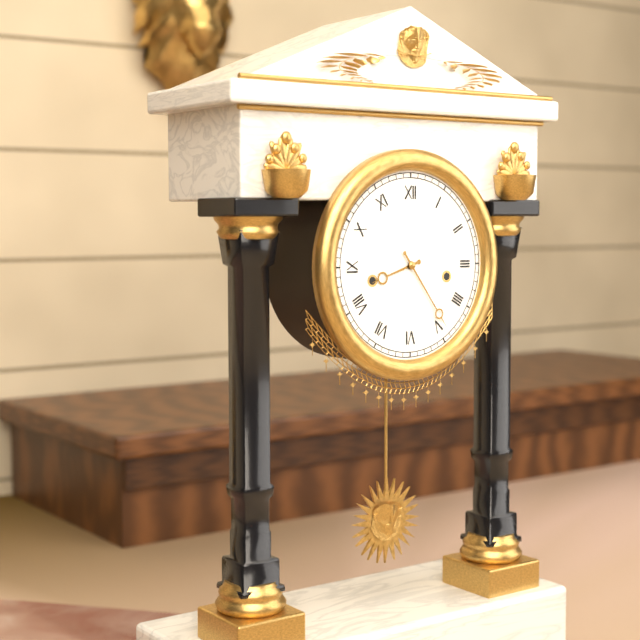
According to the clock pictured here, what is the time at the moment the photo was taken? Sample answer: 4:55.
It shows 8:24
